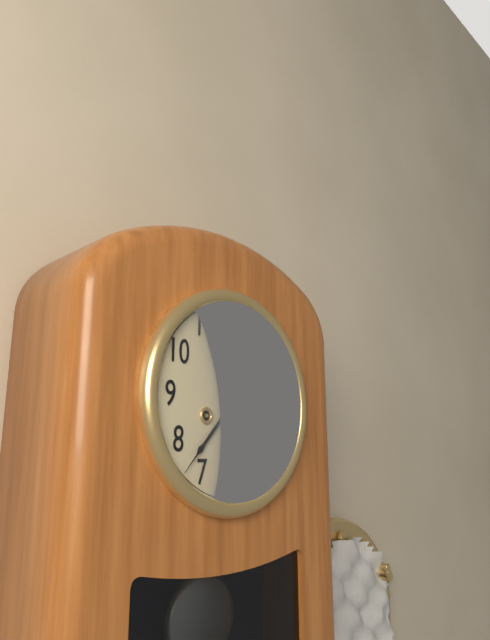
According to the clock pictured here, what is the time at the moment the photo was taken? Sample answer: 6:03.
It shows 2:37
